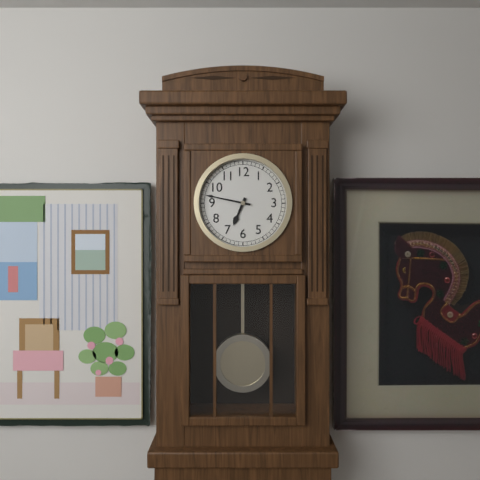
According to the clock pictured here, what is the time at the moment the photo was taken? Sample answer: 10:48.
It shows 6:47
